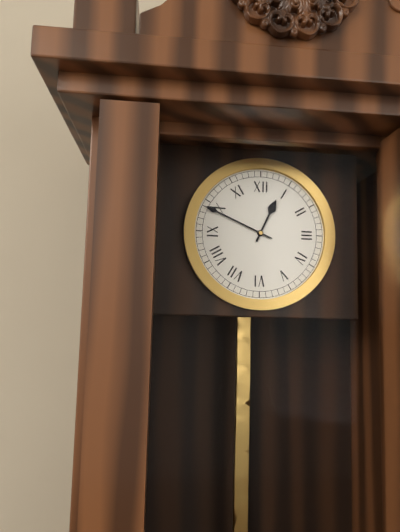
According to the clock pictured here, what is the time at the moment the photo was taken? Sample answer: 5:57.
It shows 12:49
